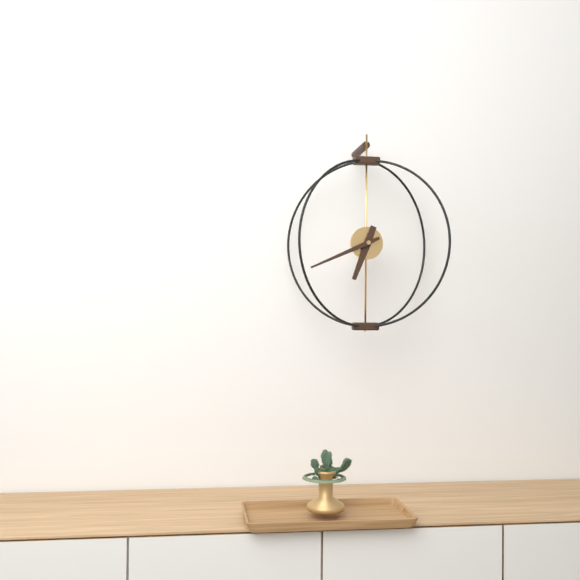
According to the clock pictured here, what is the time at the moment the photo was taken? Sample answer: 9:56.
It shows 6:41
